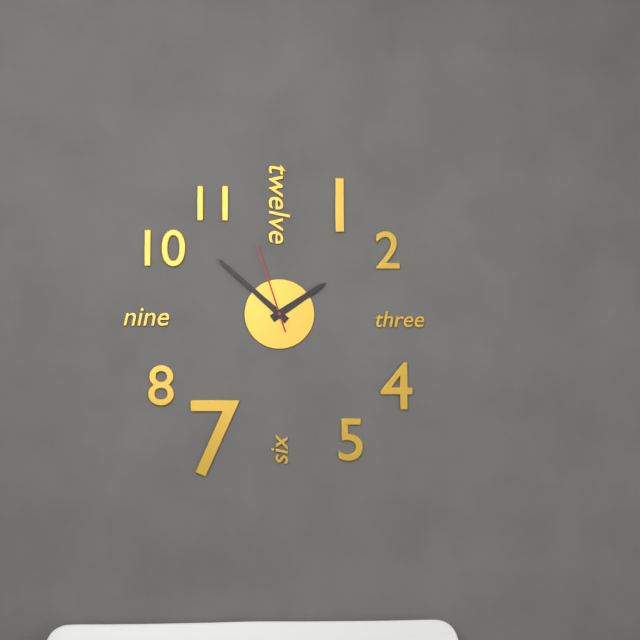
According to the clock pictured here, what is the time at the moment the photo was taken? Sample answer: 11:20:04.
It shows 1:52:57
